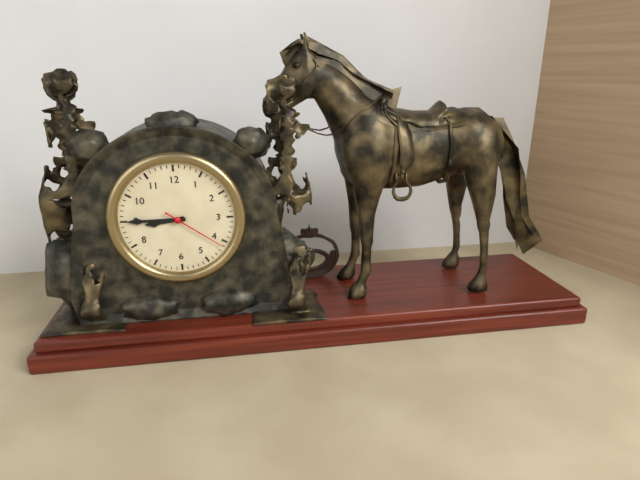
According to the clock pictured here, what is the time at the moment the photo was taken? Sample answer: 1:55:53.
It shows 8:45:21
